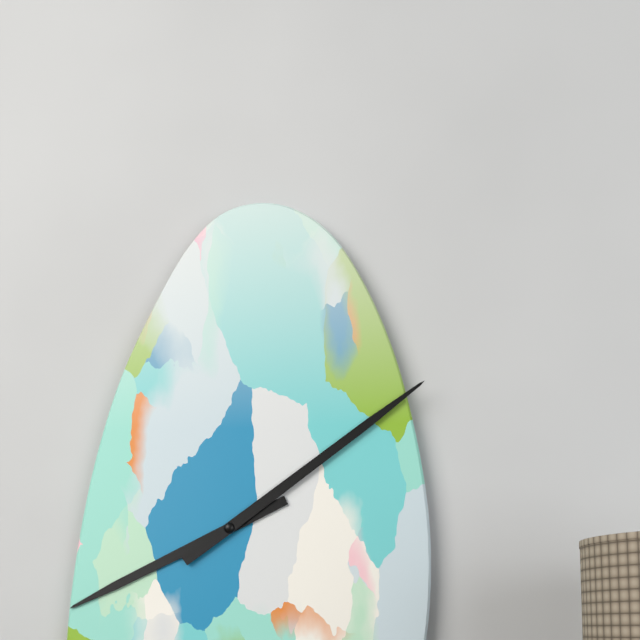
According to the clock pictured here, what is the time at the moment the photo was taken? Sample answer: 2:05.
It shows 8:09
